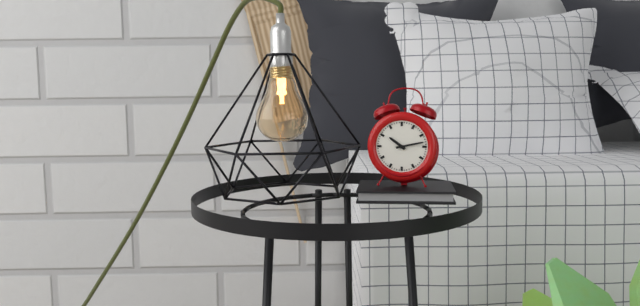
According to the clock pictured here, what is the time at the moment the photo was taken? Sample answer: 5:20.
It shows 10:13
